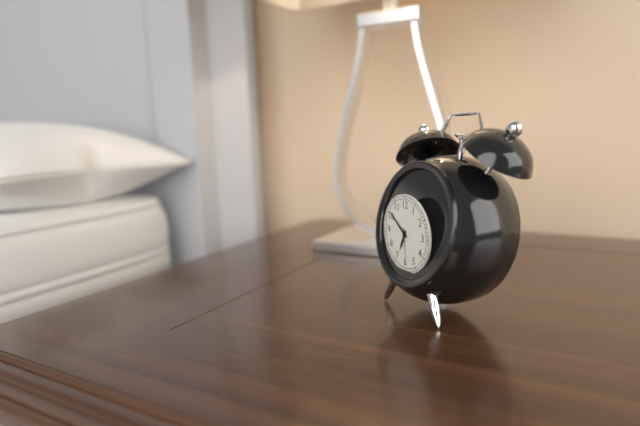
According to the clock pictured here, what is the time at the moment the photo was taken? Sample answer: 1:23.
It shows 6:51
